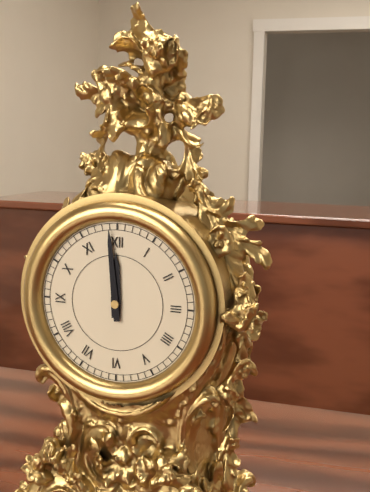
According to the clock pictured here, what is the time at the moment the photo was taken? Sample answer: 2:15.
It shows 11:59
